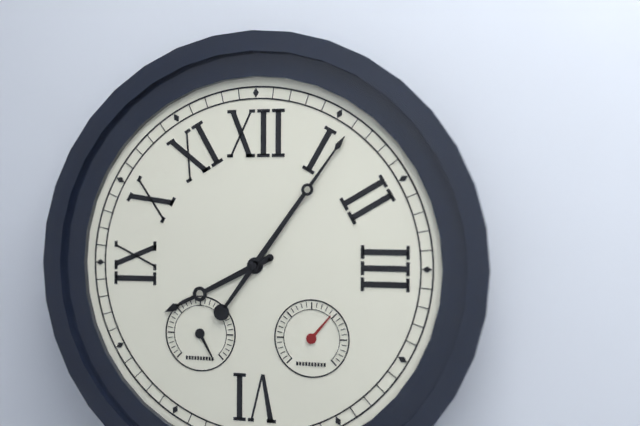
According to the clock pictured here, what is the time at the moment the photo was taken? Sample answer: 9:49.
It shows 8:06
